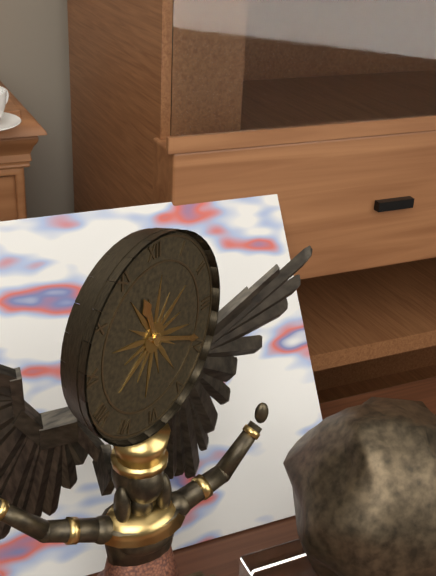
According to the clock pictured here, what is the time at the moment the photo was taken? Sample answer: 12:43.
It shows 11:19
